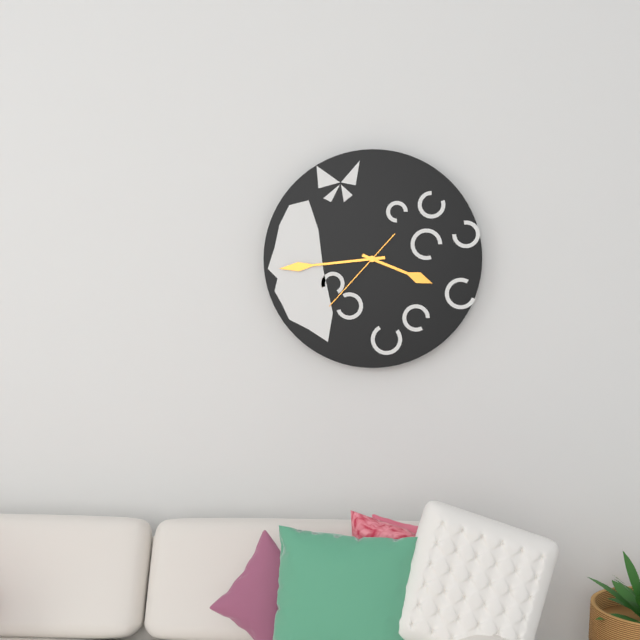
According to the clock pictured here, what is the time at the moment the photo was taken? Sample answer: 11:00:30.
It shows 3:44:37
